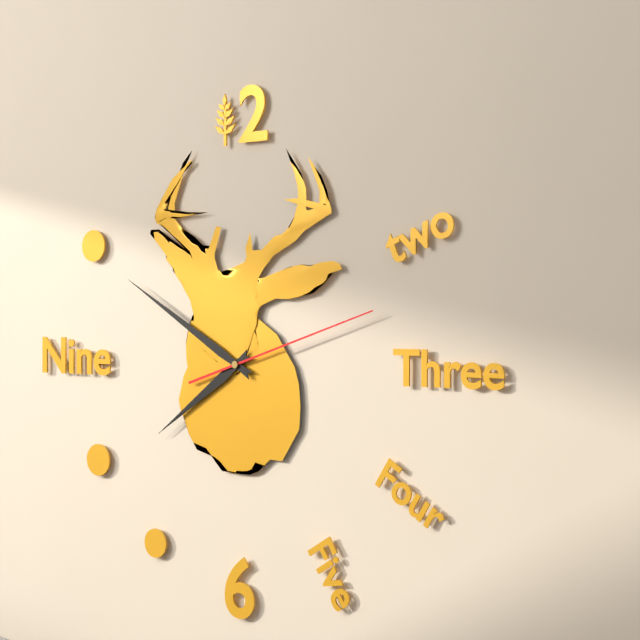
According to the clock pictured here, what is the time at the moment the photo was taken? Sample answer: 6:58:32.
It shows 7:50:12
